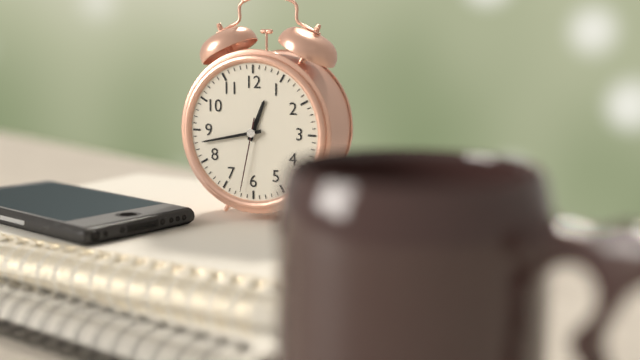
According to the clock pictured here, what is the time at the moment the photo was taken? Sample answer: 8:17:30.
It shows 12:43:32
